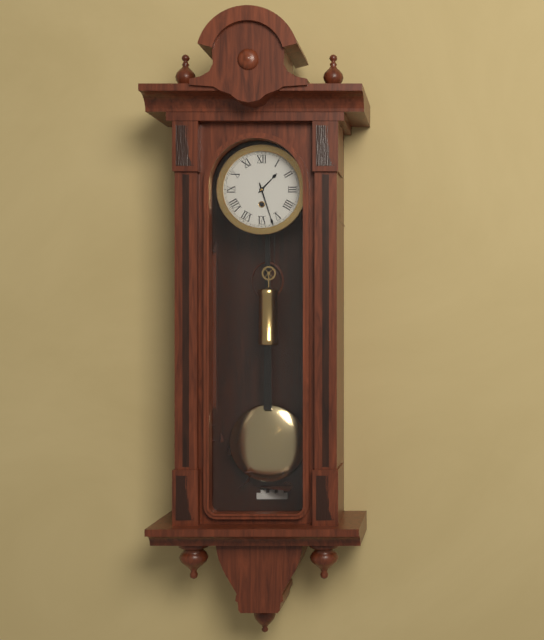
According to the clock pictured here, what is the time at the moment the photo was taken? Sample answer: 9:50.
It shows 1:27
